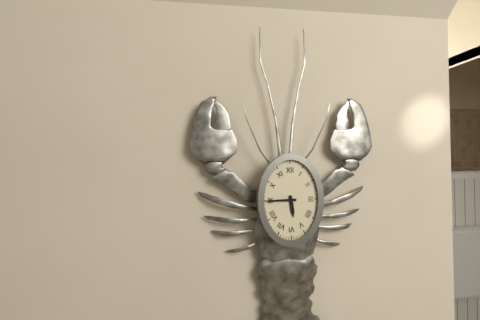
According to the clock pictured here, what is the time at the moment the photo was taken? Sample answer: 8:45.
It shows 5:45
